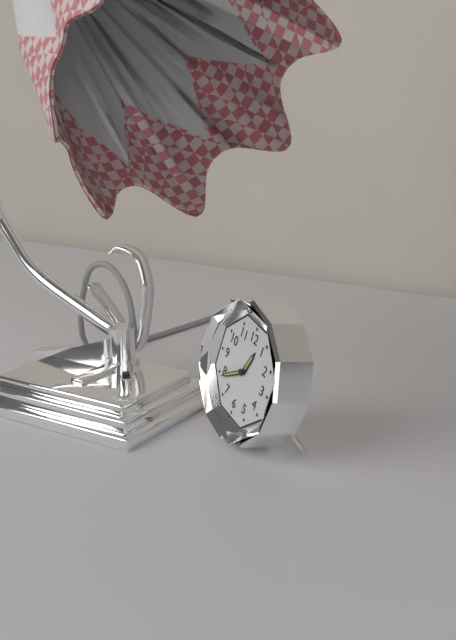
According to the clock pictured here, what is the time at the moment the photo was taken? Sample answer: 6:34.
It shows 12:39
